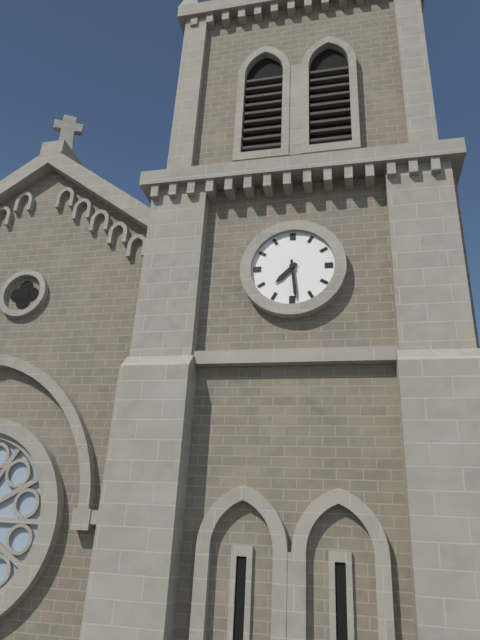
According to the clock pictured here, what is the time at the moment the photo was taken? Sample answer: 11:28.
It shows 7:29
